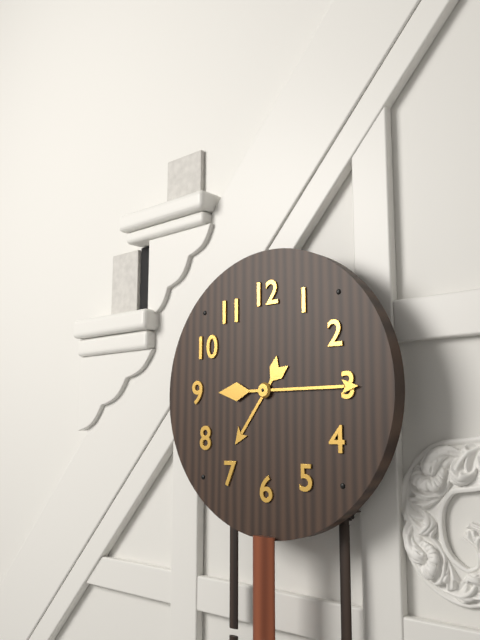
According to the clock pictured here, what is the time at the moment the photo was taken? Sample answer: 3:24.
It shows 7:15
